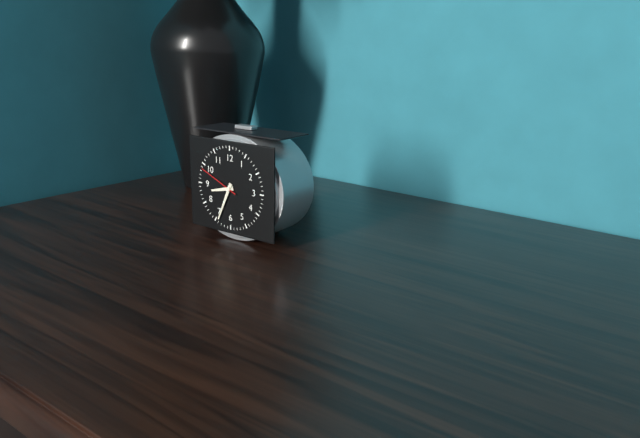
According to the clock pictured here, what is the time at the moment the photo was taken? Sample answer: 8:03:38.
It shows 8:34:49
